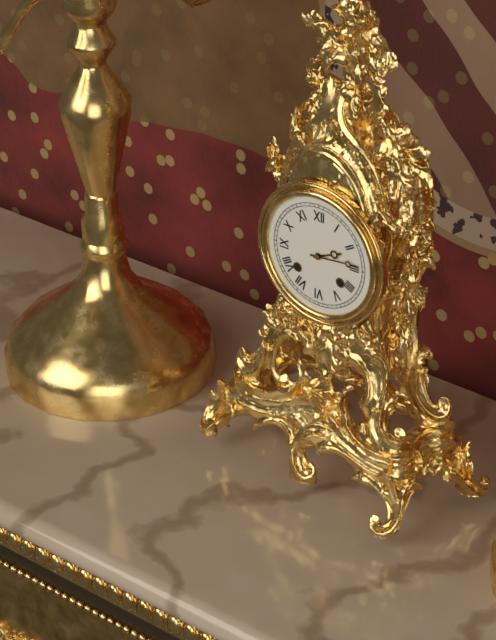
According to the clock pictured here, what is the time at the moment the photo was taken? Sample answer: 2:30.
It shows 2:14
